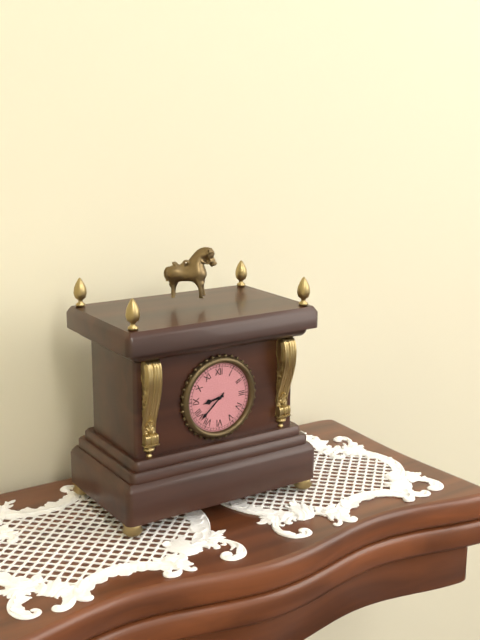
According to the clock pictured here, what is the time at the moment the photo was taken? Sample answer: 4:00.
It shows 8:38
